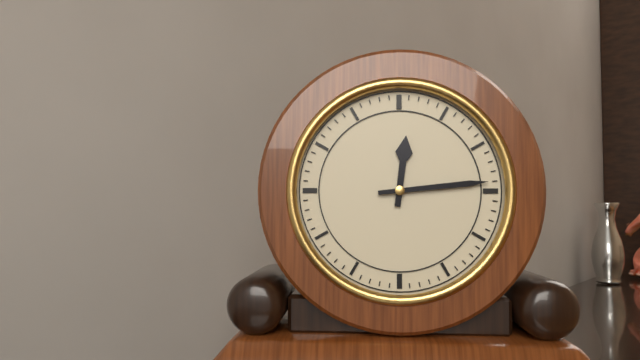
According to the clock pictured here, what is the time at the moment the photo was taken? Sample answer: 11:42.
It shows 12:14
